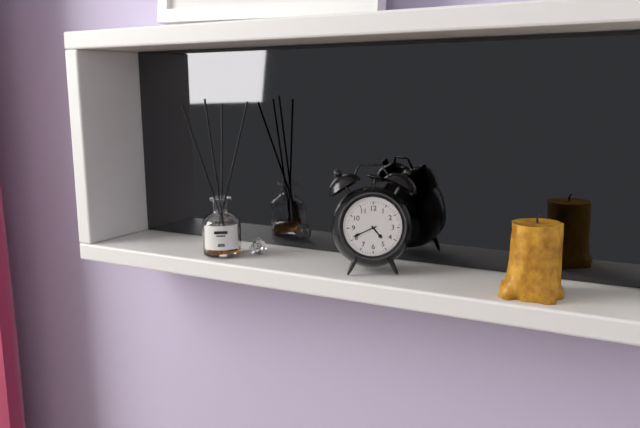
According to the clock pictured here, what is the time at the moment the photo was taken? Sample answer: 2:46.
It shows 4:41
